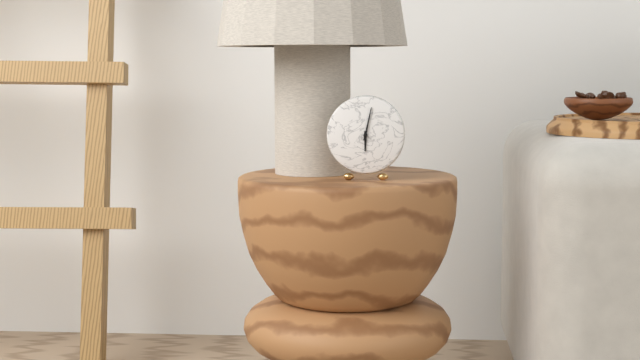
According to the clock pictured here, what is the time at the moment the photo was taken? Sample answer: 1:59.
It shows 6:02
